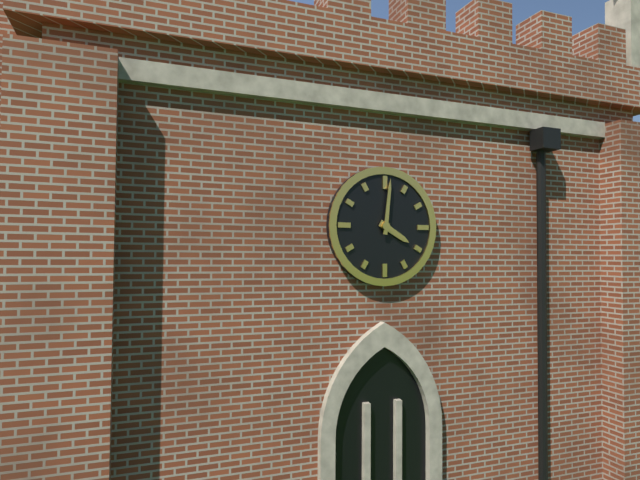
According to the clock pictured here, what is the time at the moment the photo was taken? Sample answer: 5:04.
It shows 4:01
